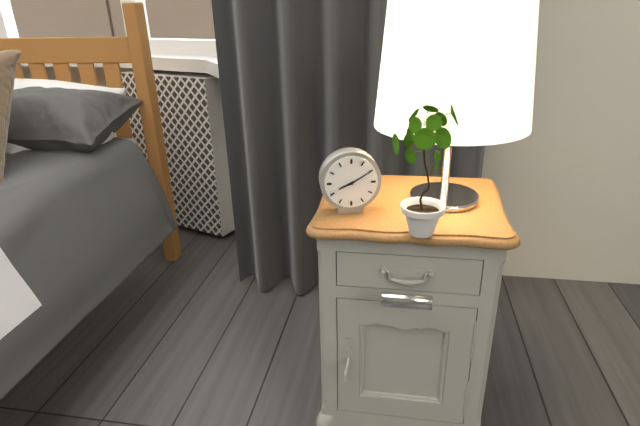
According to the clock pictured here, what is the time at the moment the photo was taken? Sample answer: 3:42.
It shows 8:10
